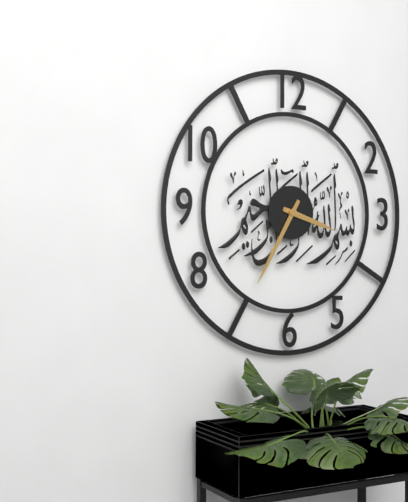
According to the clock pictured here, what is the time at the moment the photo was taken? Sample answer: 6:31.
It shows 3:35
